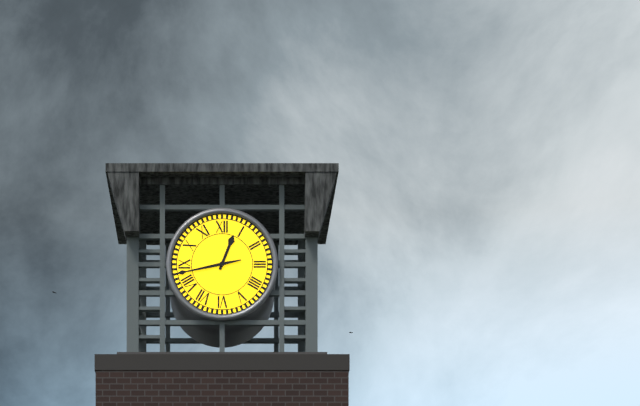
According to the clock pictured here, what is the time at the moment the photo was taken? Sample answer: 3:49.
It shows 12:43
